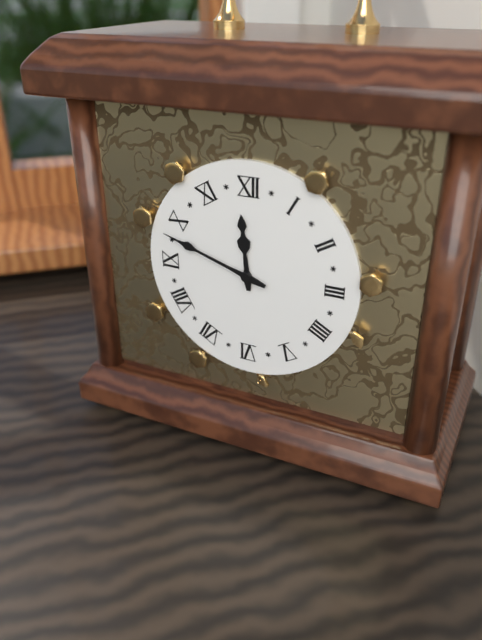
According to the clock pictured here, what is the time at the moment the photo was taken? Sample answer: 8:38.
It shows 11:48
